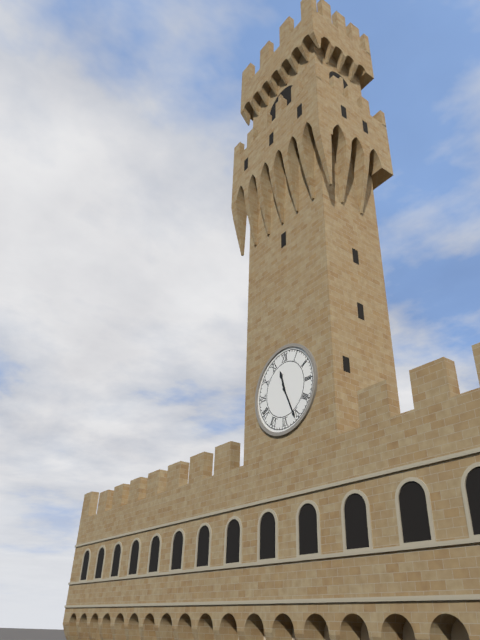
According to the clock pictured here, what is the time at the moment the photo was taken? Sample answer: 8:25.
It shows 11:26
